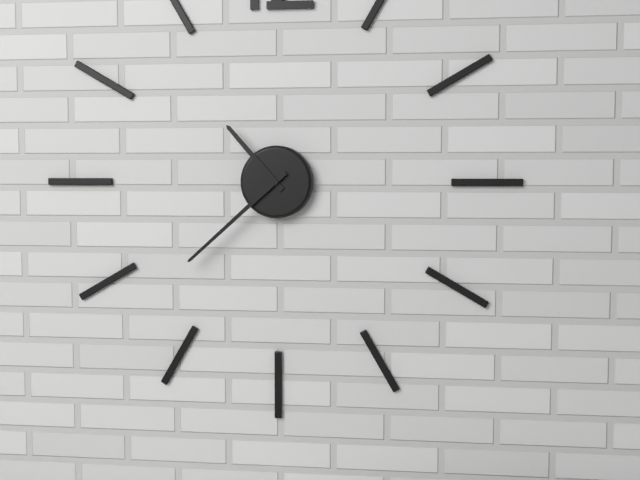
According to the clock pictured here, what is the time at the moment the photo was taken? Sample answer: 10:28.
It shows 10:38
